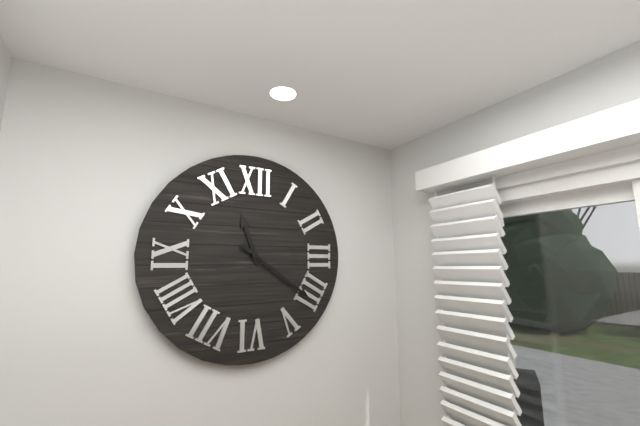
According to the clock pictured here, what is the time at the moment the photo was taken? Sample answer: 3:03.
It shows 11:21
